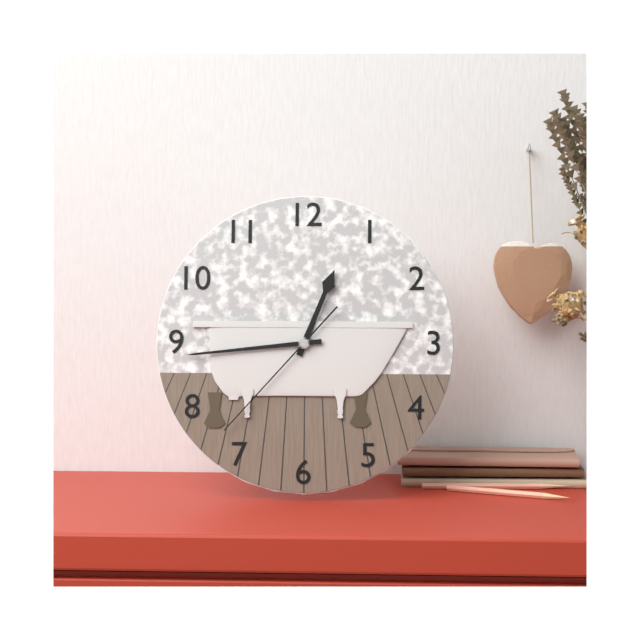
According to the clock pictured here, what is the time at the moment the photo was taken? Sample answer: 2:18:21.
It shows 12:44:37
